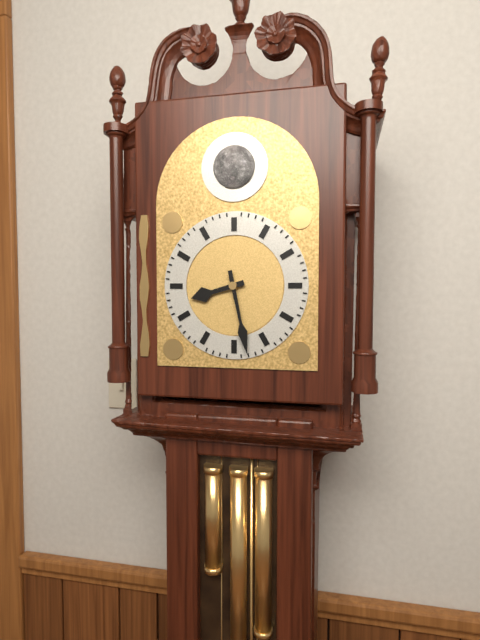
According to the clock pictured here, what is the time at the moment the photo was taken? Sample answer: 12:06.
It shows 8:28
